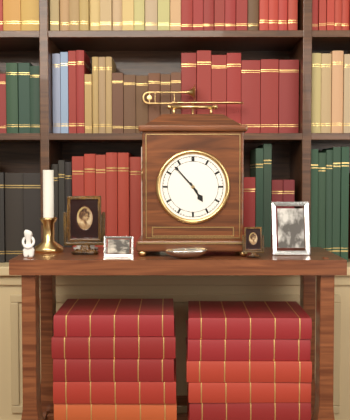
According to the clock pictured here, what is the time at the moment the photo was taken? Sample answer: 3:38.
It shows 4:53
